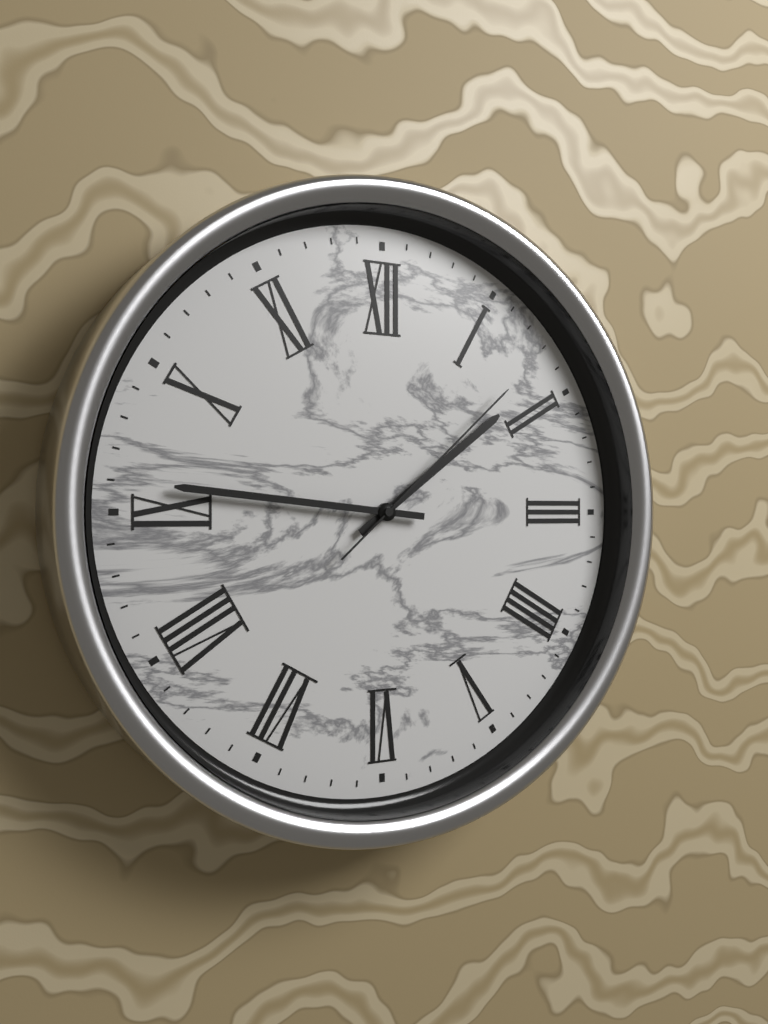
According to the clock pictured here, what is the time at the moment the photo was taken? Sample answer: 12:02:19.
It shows 1:46:08
